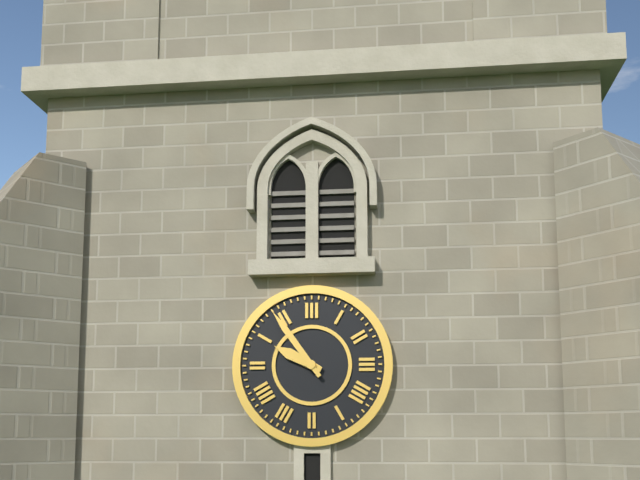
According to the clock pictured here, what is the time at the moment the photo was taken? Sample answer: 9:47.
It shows 9:54
